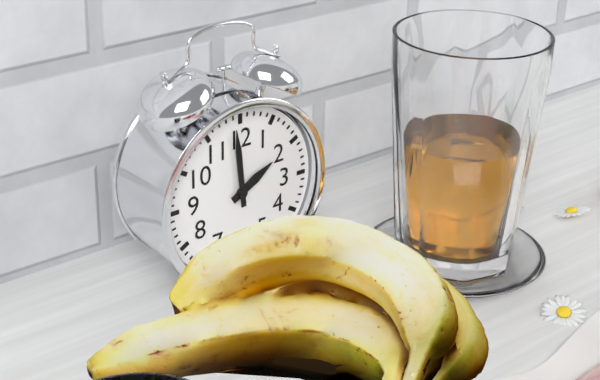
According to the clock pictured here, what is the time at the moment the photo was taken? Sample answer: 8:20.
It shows 1:59
